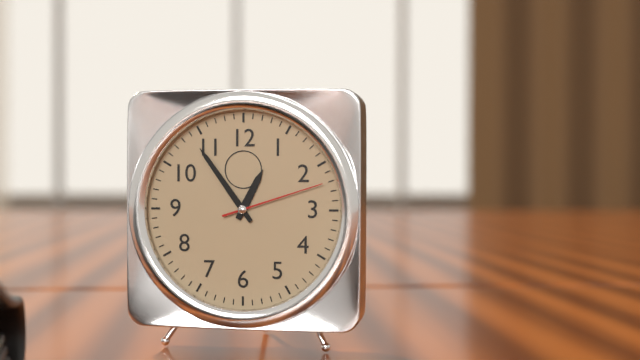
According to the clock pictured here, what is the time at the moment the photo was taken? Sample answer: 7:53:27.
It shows 12:54:12
